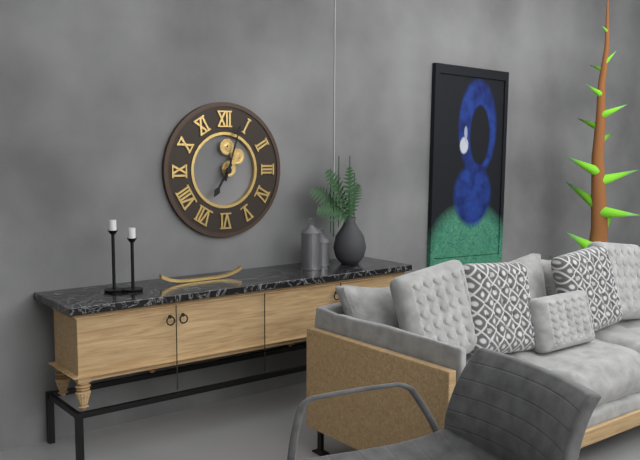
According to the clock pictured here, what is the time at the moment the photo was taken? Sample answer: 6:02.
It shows 7:03
